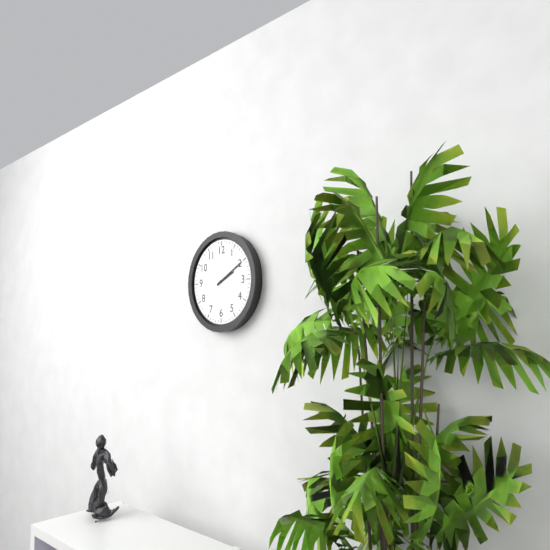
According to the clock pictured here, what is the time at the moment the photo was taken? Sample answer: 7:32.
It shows 2:10
